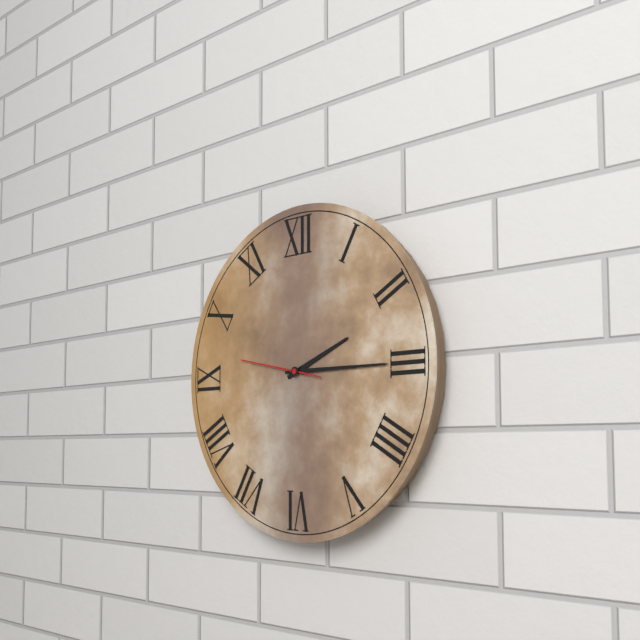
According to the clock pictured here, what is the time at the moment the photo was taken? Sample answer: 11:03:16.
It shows 2:15:47
